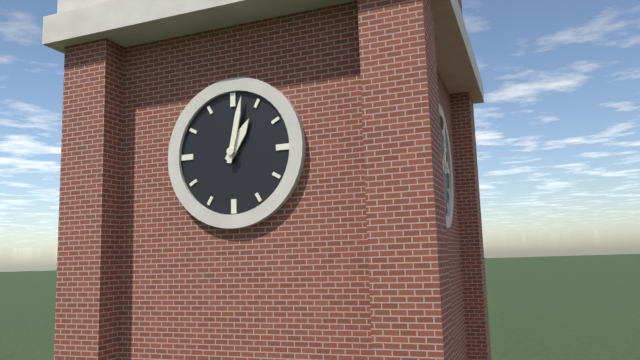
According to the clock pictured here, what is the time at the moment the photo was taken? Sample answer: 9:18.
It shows 1:02
